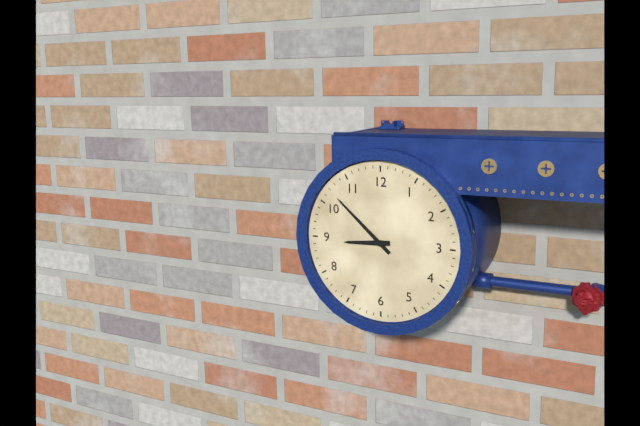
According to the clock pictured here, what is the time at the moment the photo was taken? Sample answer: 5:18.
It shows 8:52
